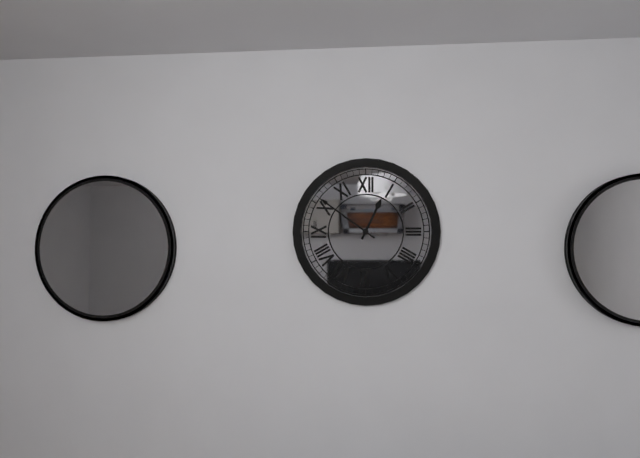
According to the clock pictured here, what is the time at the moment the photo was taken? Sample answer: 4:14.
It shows 12:51
